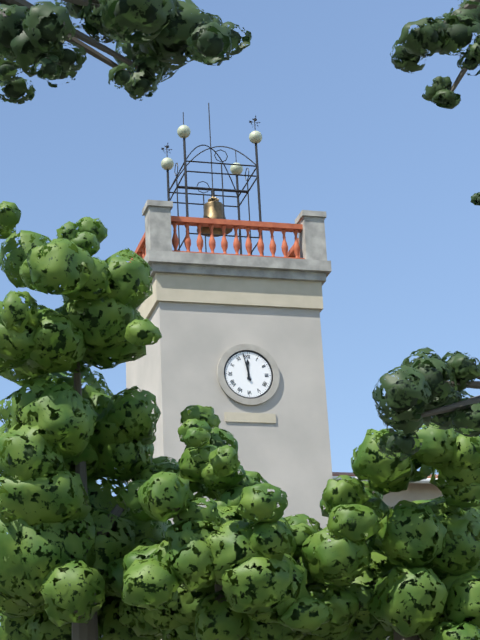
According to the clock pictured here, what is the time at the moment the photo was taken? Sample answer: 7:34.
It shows 11:58
